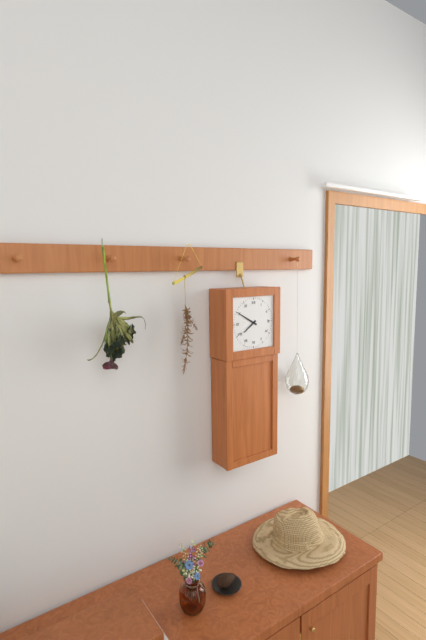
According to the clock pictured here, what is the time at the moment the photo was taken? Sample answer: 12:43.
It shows 7:50
